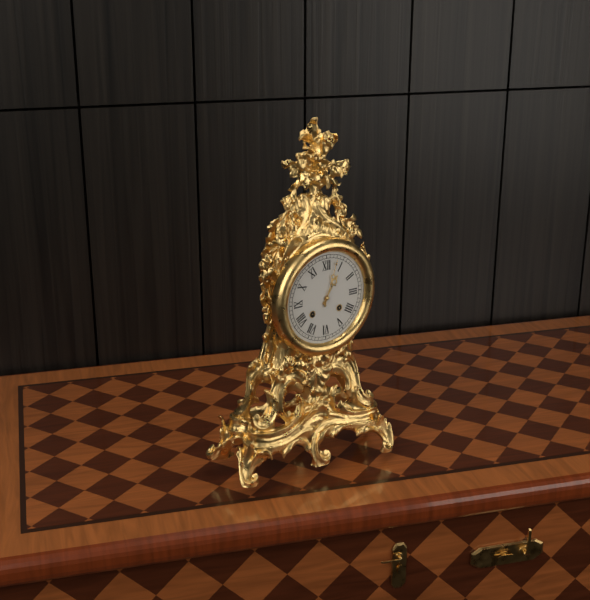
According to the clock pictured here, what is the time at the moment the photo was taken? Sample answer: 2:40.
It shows 1:03
